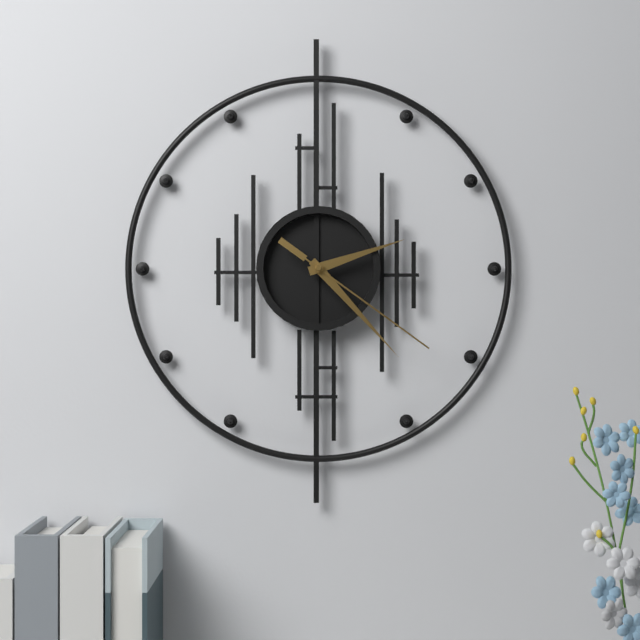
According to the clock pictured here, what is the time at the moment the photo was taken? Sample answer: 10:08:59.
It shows 2:23:21
